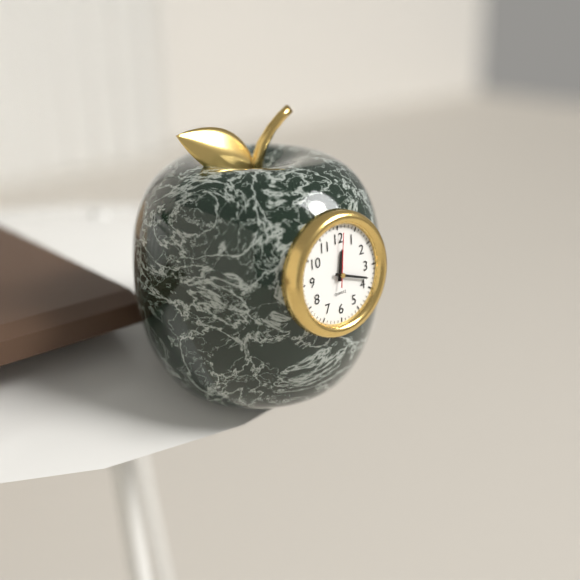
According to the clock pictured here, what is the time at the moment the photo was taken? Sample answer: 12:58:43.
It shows 12:18:01
